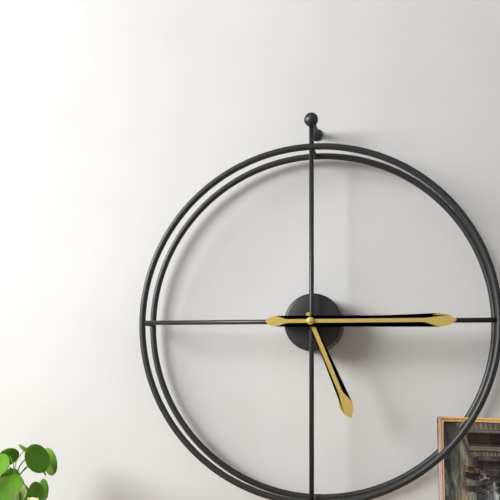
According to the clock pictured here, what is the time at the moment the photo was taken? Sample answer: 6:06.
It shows 5:15
